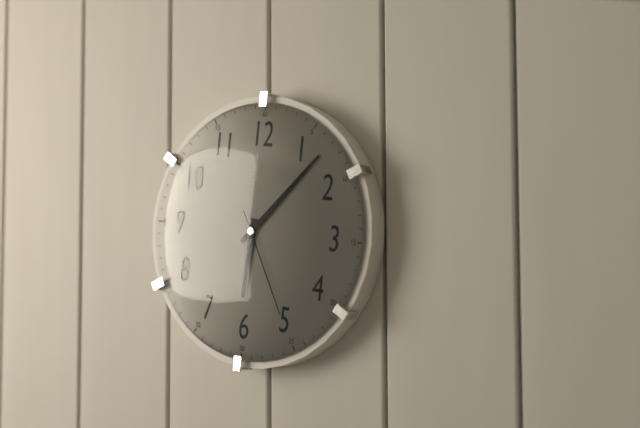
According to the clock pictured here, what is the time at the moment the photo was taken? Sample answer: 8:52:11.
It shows 6:07:25
